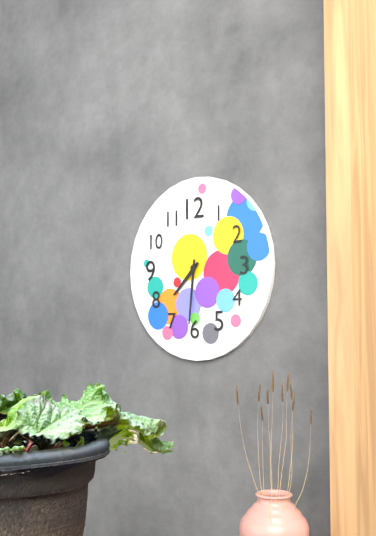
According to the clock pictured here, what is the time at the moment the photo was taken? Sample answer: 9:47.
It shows 7:31
